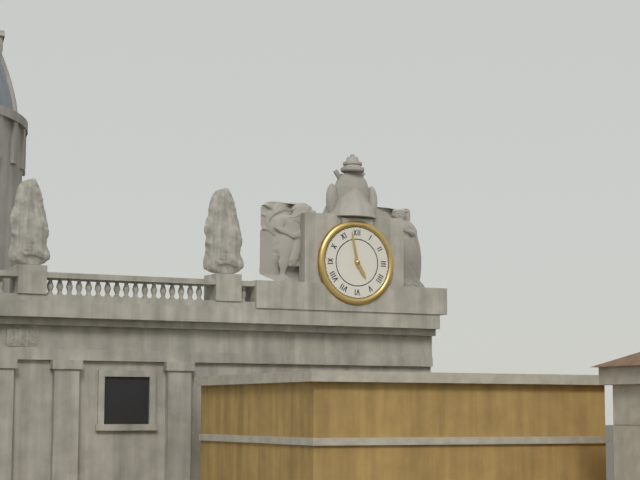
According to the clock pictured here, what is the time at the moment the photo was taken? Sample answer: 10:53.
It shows 4:58
